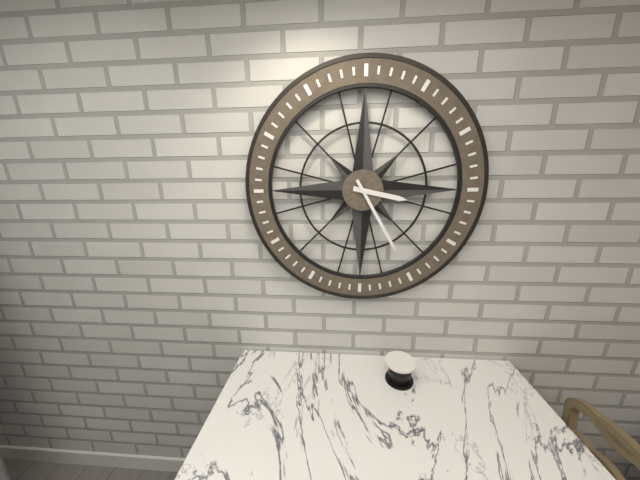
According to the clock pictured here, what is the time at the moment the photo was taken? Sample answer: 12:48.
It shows 3:25
